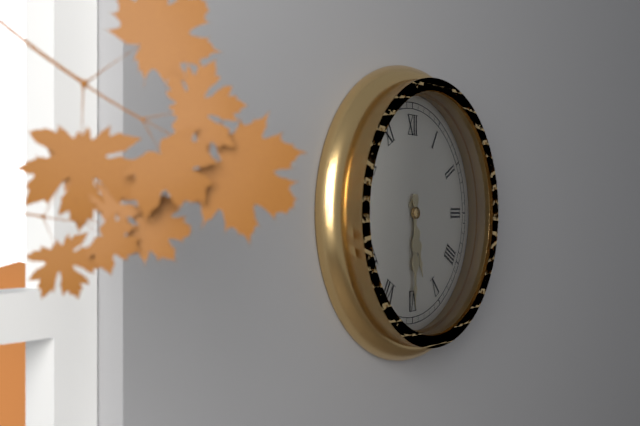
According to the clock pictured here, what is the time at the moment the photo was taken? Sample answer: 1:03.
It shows 5:30
